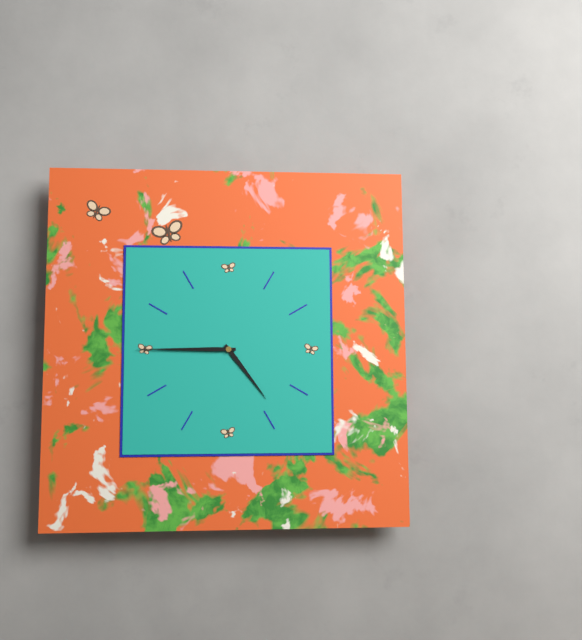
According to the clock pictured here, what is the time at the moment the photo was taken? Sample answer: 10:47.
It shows 4:45
